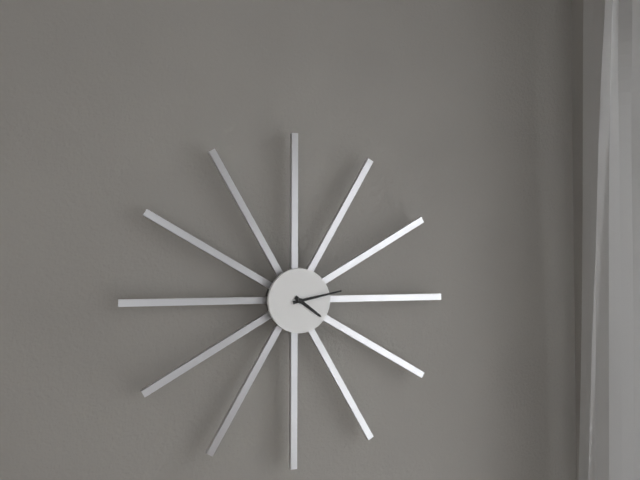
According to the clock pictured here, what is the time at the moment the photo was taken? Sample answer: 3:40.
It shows 4:13
